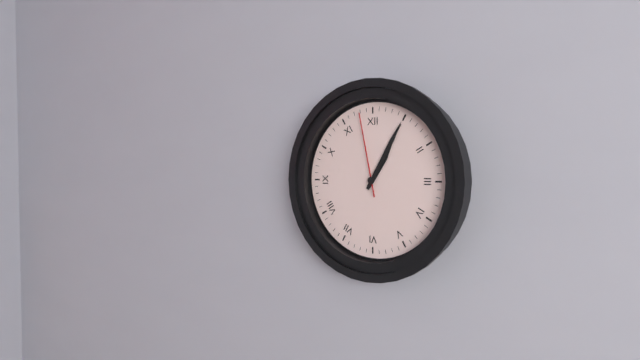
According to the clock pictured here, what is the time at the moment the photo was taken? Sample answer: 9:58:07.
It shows 1:05:58
